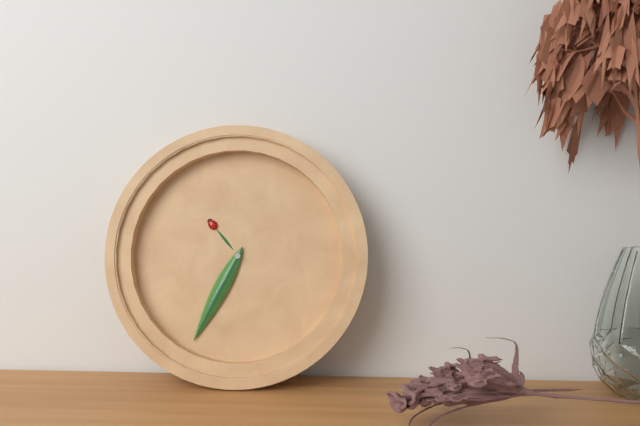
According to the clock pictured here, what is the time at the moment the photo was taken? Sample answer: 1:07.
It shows 10:34
